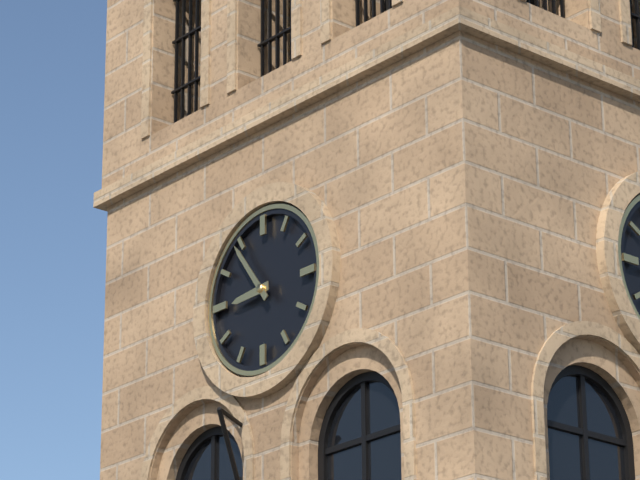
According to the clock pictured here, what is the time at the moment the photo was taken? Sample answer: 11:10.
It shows 8:54
